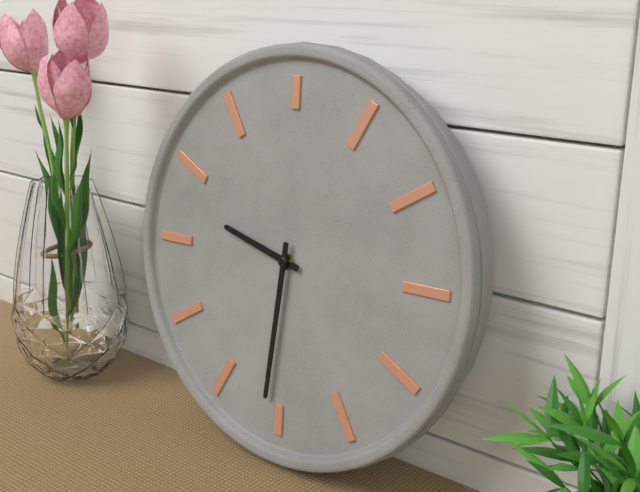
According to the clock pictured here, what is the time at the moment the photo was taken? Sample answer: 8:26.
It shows 9:31
